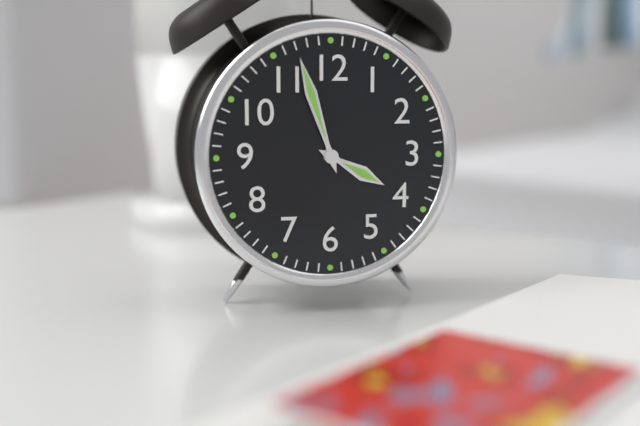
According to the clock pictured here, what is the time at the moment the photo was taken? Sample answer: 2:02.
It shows 3:57
